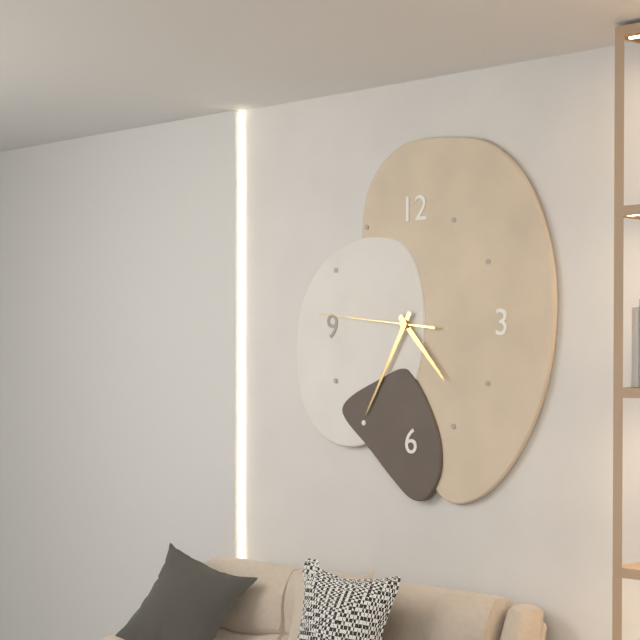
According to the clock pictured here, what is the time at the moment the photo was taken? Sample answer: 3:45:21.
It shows 4:35:46
